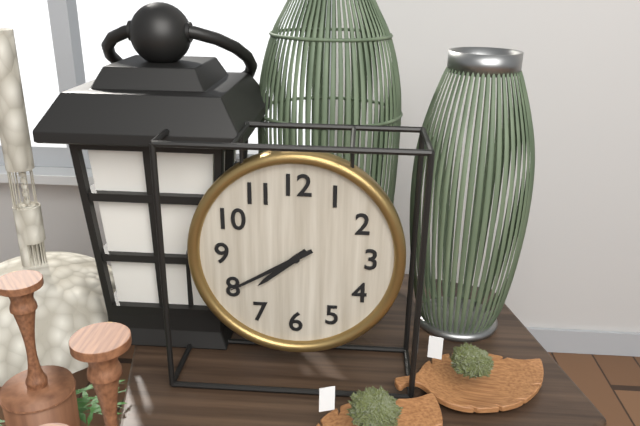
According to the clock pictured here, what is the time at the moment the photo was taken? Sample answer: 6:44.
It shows 7:40
